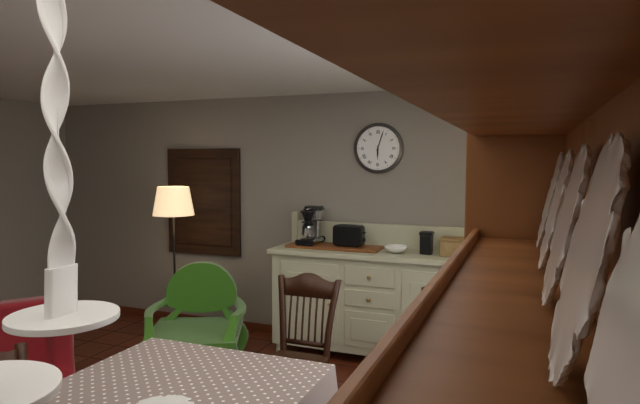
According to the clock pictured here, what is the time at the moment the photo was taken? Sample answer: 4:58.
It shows 6:03
